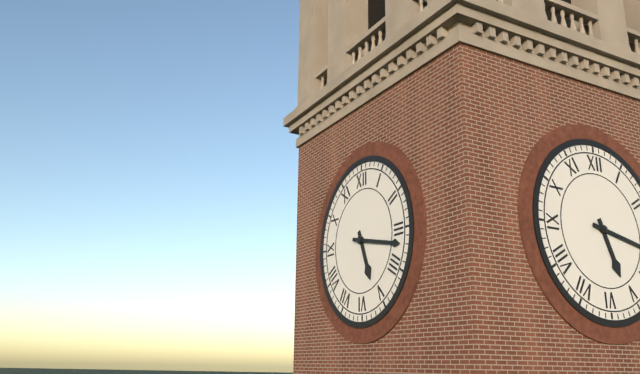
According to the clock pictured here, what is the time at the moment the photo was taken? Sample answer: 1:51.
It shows 5:17
